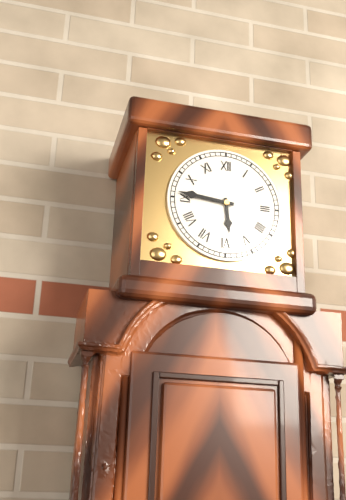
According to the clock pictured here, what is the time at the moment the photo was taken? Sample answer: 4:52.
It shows 5:46
